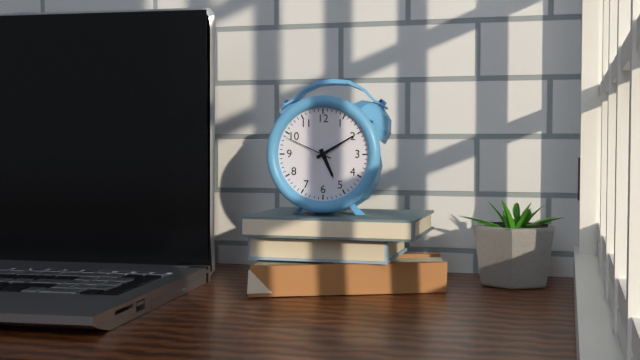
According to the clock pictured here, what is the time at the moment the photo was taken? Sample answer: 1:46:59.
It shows 5:10:49
